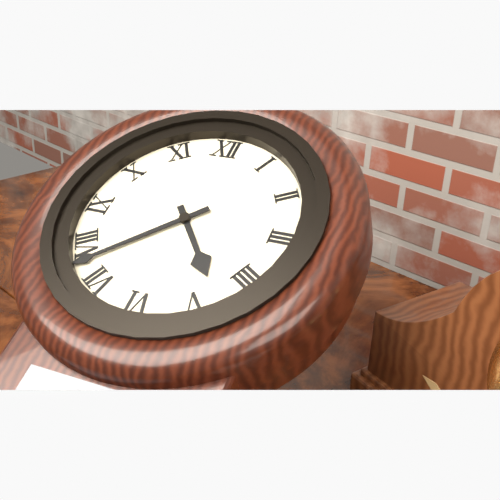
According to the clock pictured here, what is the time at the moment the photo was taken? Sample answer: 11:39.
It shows 4:38
